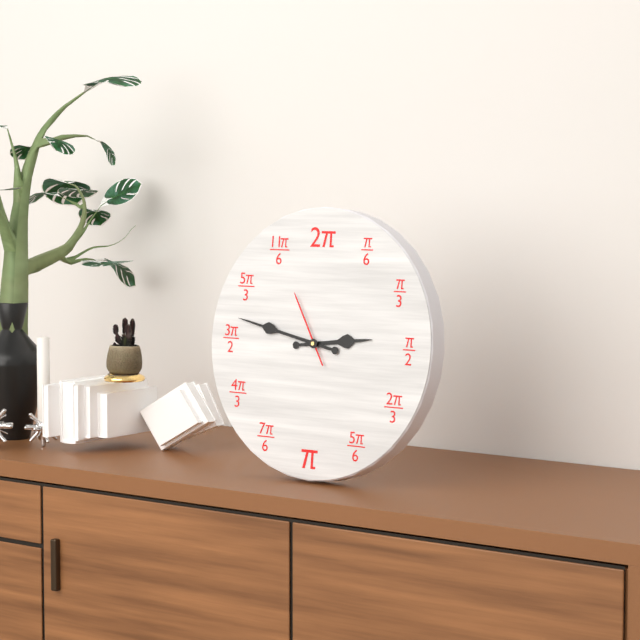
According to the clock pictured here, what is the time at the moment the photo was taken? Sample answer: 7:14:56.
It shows 2:47:55
